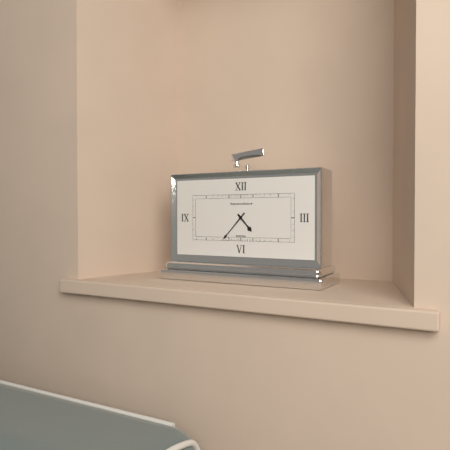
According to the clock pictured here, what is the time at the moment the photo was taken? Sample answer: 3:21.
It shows 4:37
